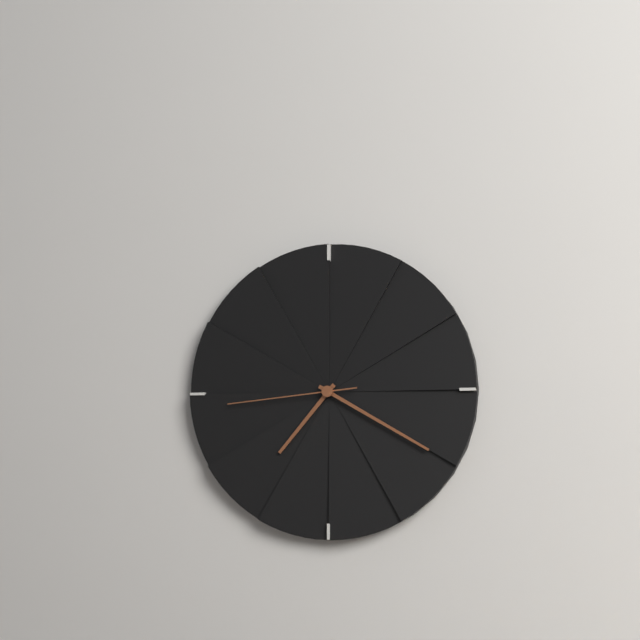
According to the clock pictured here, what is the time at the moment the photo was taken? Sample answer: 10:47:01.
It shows 7:20:44
